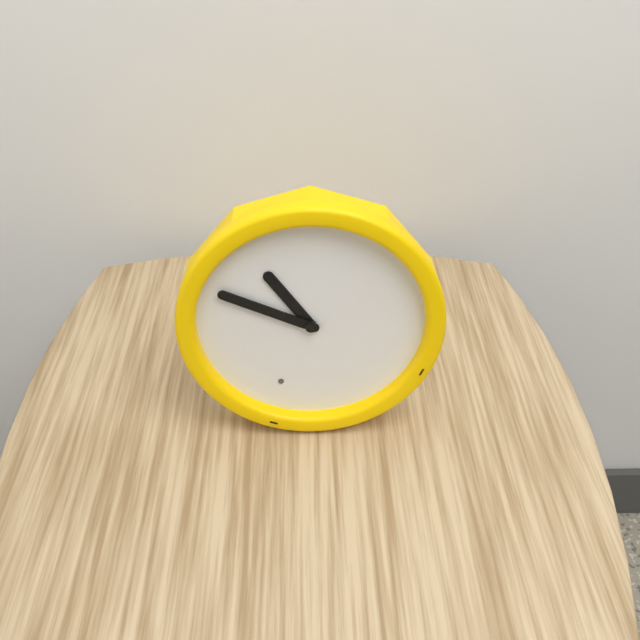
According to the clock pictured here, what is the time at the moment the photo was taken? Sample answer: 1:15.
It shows 10:49
